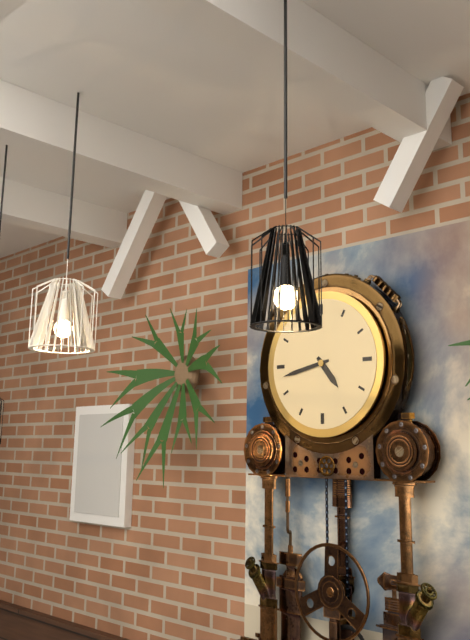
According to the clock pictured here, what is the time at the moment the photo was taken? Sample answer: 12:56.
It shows 4:43
